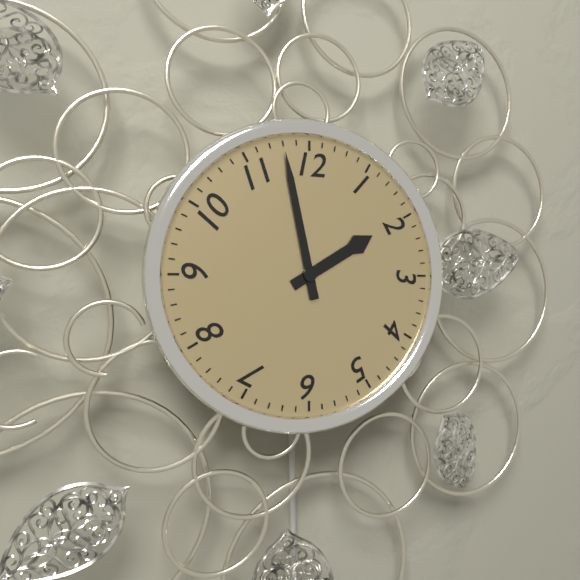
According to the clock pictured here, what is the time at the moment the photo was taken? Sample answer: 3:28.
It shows 1:58
